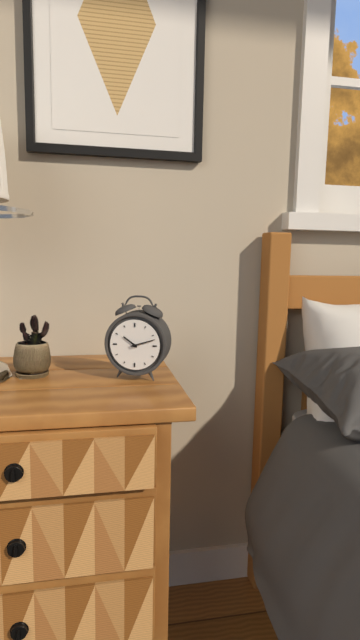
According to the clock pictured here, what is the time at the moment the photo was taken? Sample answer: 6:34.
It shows 10:12
